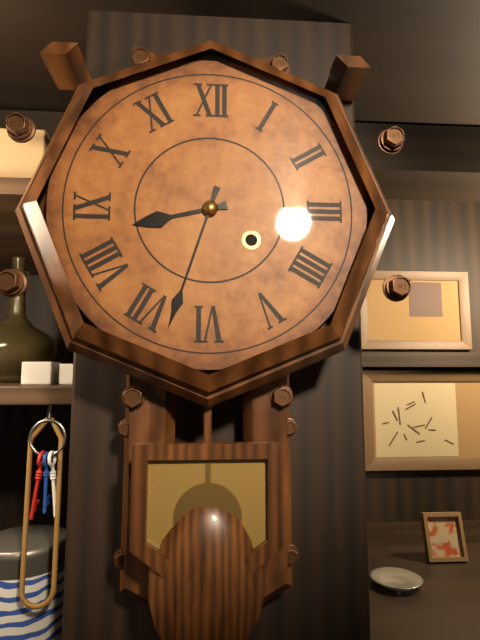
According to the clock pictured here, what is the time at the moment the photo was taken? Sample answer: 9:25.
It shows 8:33
